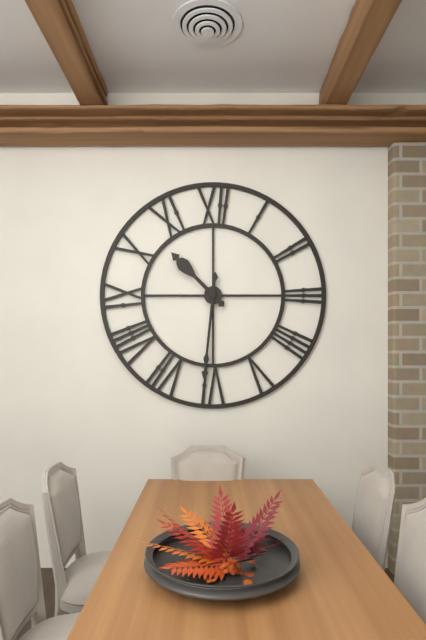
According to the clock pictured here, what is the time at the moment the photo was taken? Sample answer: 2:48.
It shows 10:31
